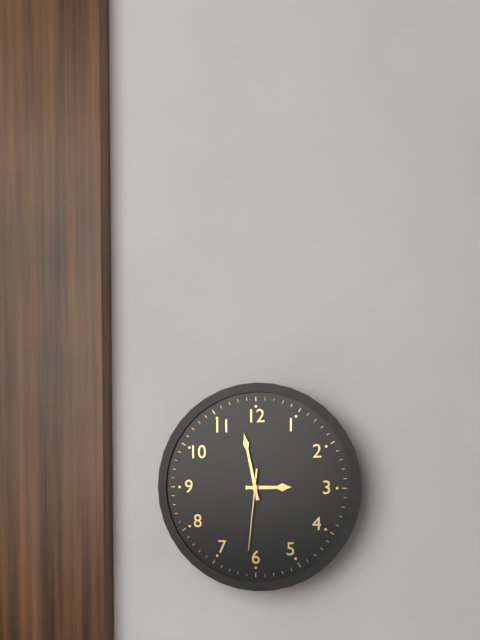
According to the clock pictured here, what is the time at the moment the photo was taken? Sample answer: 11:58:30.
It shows 2:58:31
